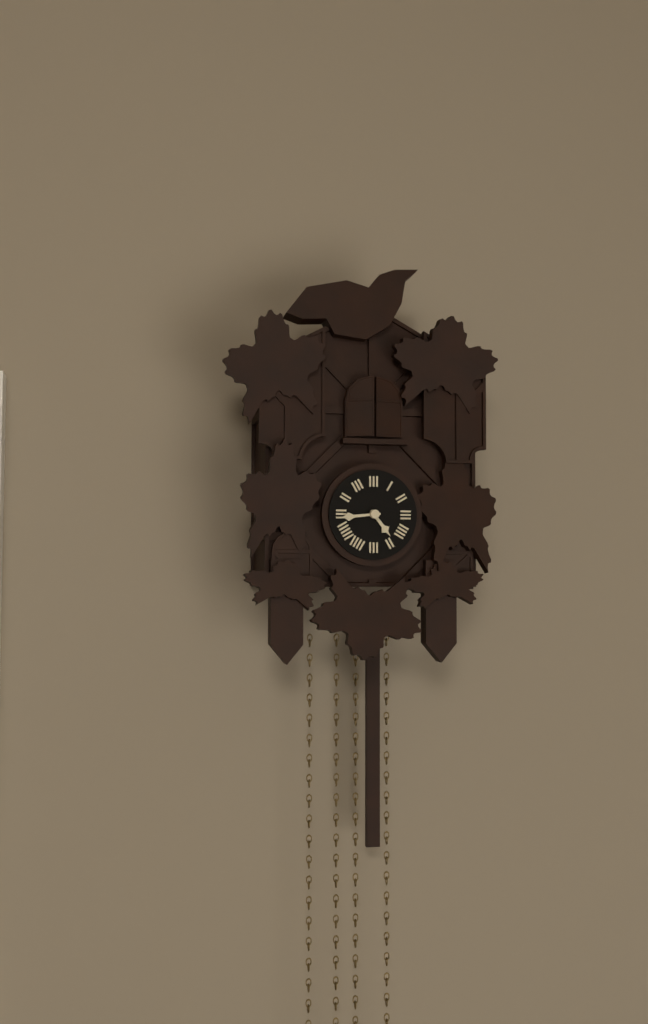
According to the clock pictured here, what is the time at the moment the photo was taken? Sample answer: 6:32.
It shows 4:44
